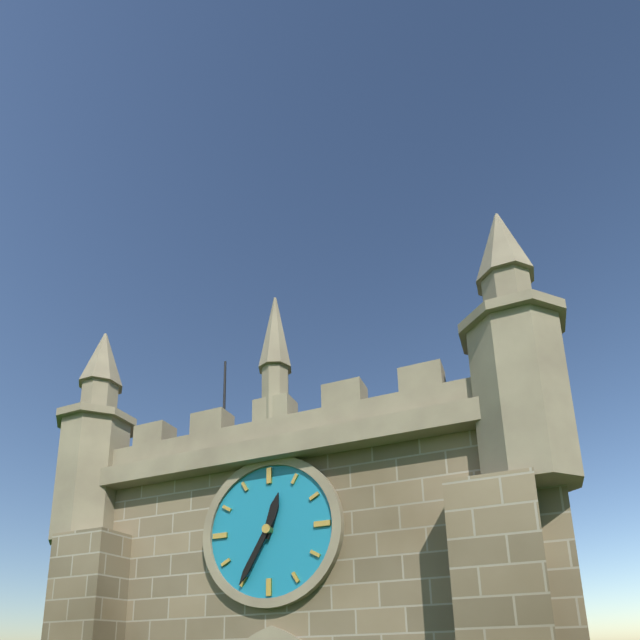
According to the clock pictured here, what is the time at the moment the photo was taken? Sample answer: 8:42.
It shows 12:35
